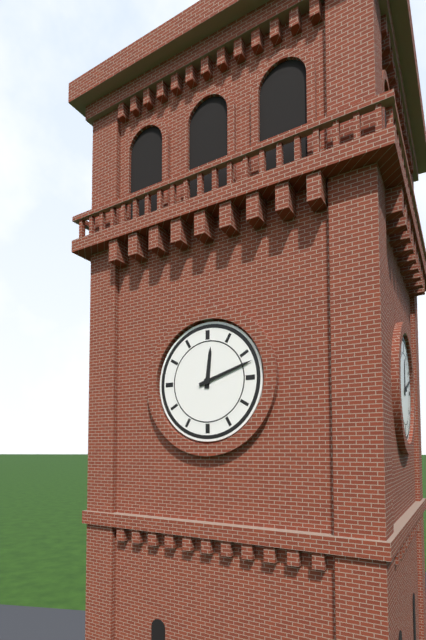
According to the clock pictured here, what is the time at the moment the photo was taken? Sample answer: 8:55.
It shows 12:12
